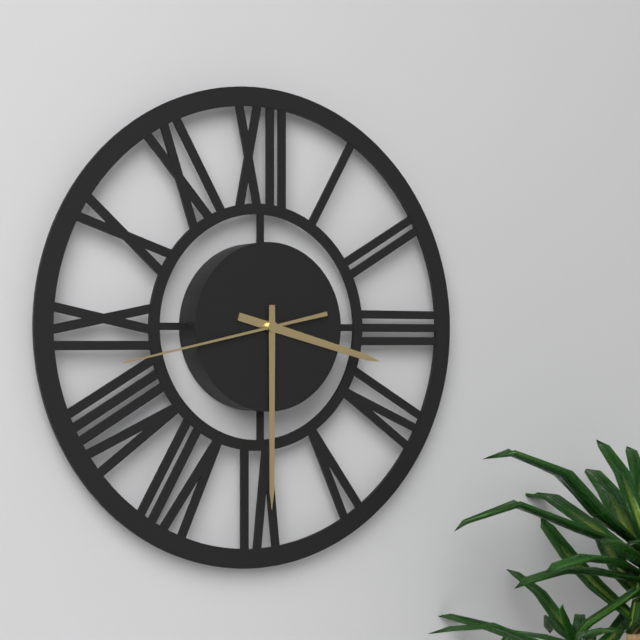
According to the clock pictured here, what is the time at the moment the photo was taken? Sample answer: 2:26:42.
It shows 3:30:43
